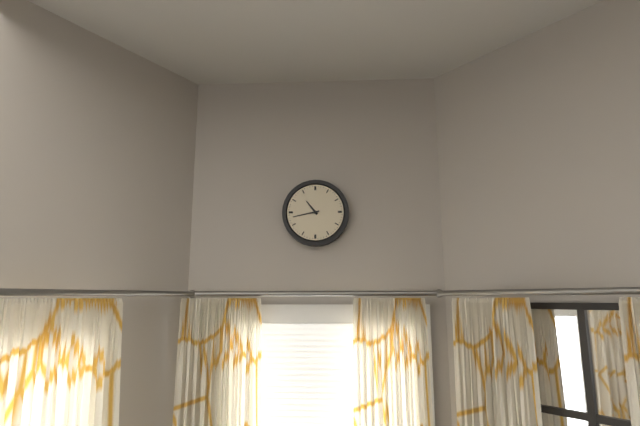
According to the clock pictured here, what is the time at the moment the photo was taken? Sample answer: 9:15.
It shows 10:43
